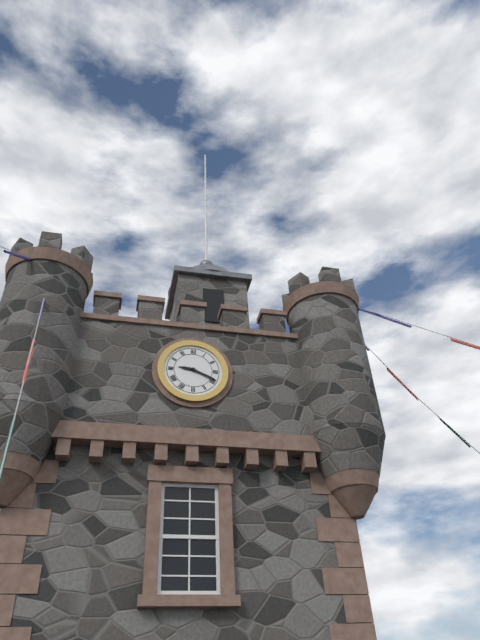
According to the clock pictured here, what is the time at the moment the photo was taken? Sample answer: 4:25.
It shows 9:19
